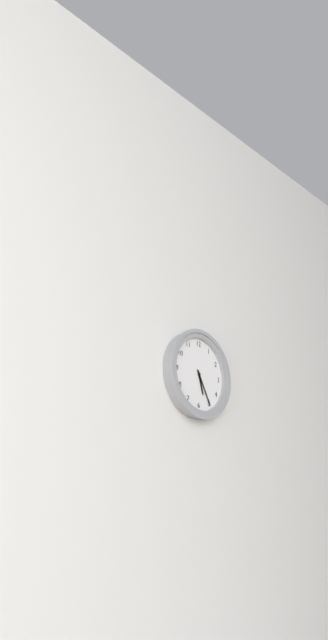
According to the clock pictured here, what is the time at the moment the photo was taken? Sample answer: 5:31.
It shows 5:25
